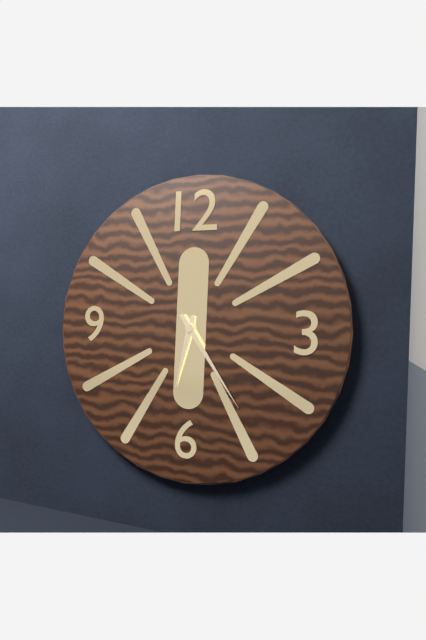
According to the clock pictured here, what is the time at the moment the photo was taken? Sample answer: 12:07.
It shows 6:24
